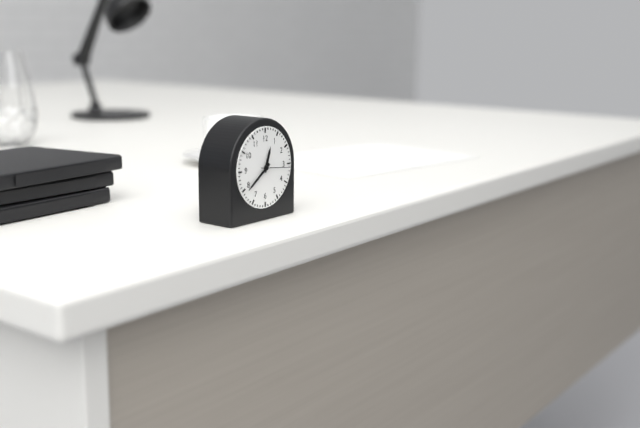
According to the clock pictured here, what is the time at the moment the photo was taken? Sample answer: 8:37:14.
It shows 12:39:16
